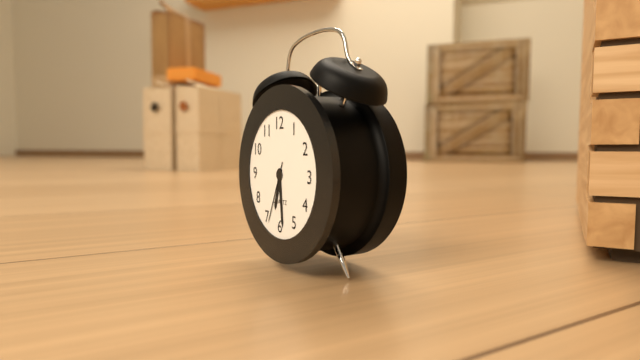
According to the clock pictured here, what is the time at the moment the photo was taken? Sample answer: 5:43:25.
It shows 6:29:34
